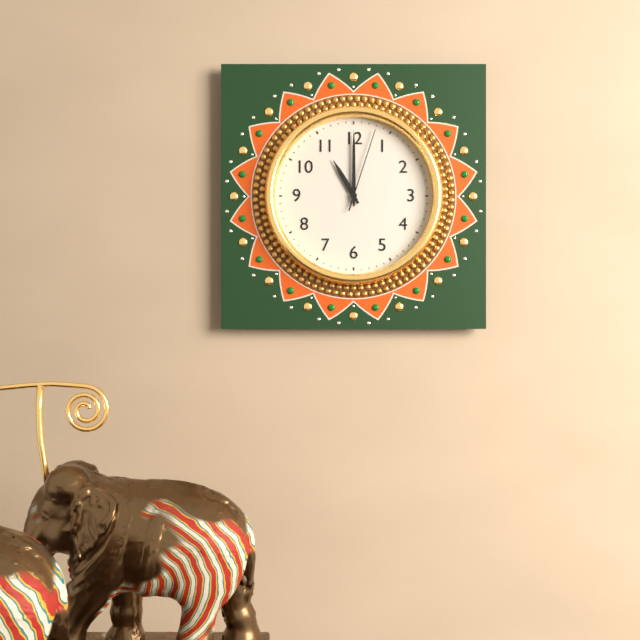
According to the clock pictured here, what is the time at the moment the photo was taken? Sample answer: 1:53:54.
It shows 11:00:03
